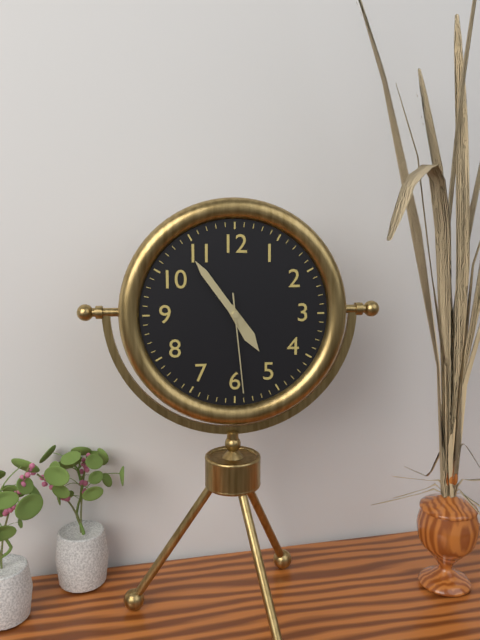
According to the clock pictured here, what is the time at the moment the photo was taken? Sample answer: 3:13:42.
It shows 4:54:29
